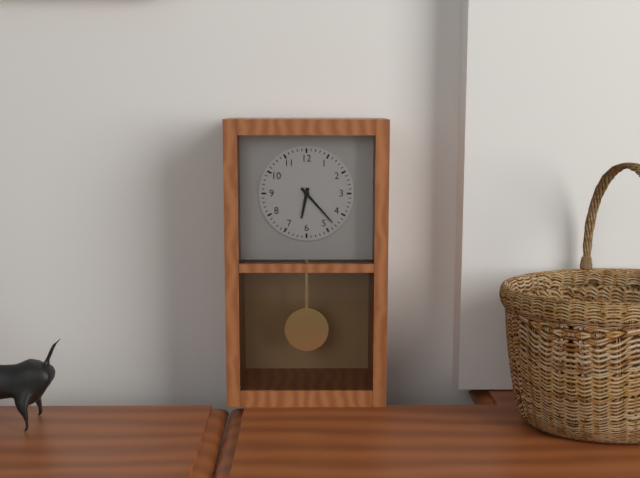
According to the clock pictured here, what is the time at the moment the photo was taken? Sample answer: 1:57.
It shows 6:23
